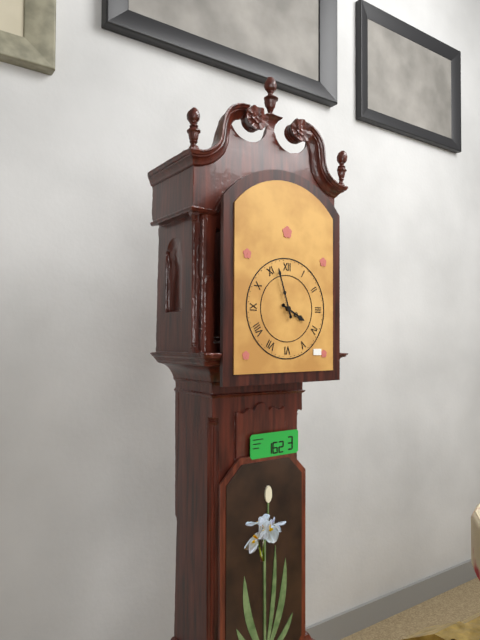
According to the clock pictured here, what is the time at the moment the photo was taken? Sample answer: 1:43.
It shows 3:57
